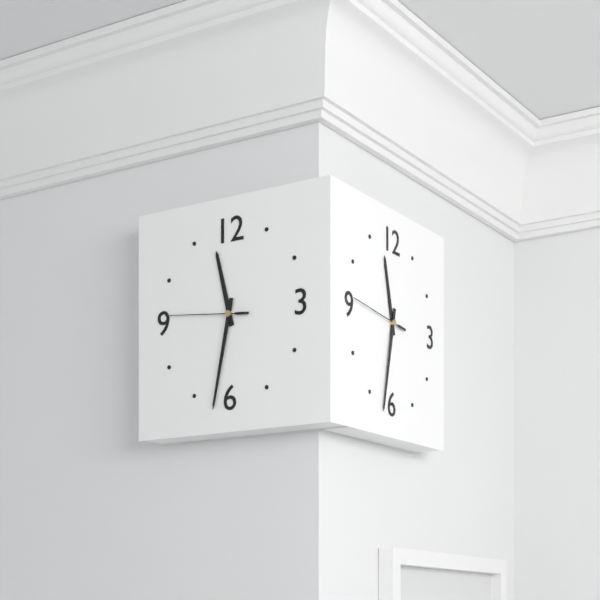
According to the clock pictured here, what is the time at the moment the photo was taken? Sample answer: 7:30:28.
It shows 11:32:46
